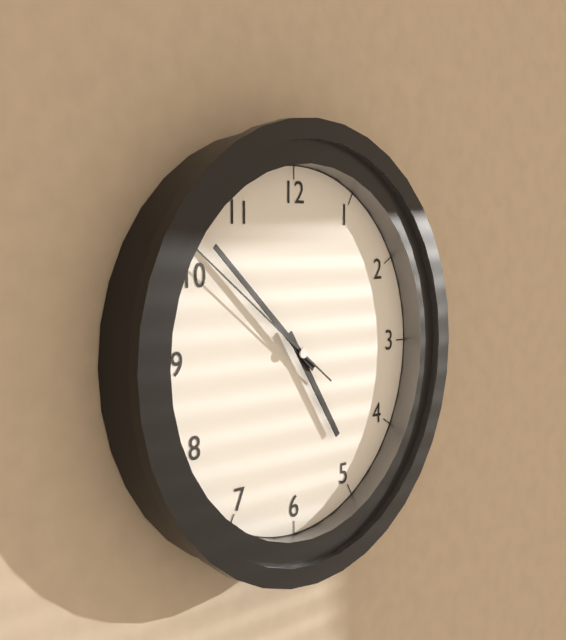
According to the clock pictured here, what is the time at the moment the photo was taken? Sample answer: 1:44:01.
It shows 4:52:51
